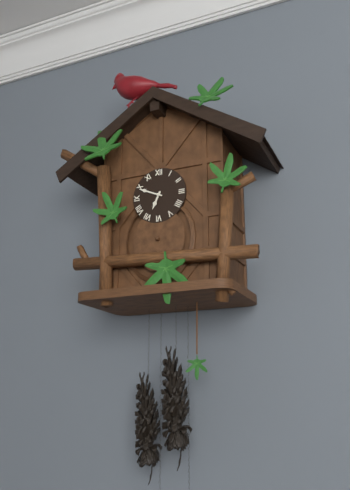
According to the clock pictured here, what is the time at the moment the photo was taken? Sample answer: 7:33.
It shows 6:49
